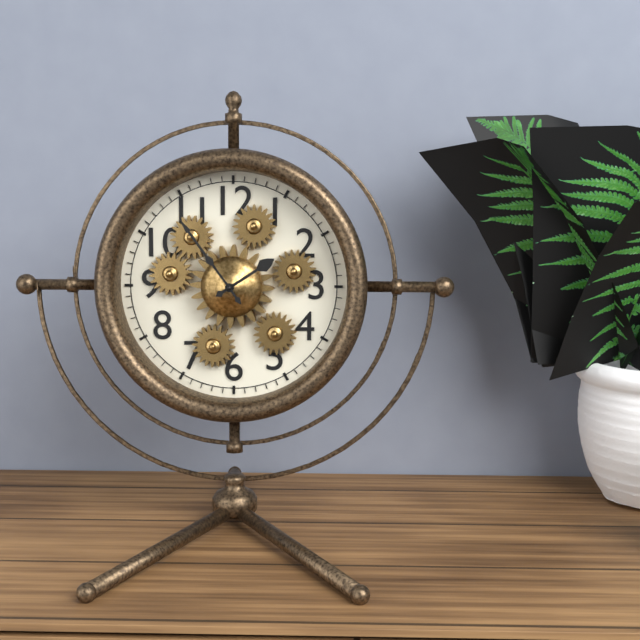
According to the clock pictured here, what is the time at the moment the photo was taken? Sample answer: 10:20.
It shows 1:54
